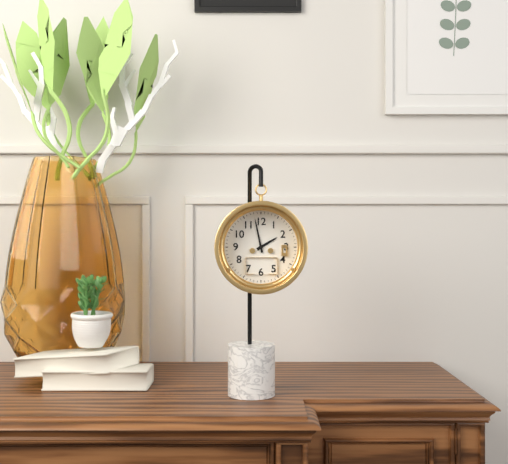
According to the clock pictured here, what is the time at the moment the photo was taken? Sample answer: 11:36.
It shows 1:58
